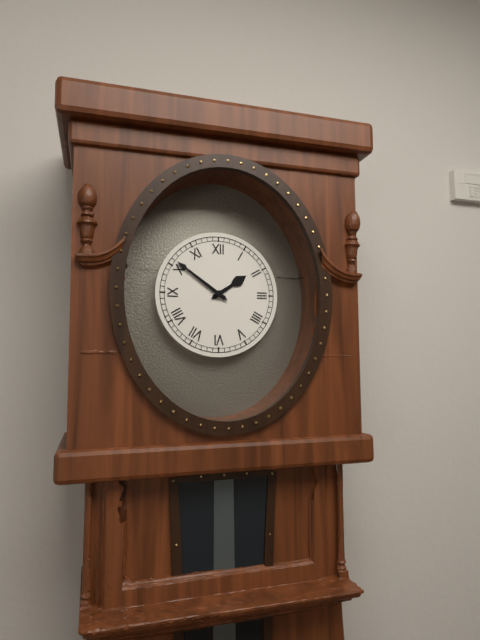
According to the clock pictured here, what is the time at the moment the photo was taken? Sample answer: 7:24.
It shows 1:51
